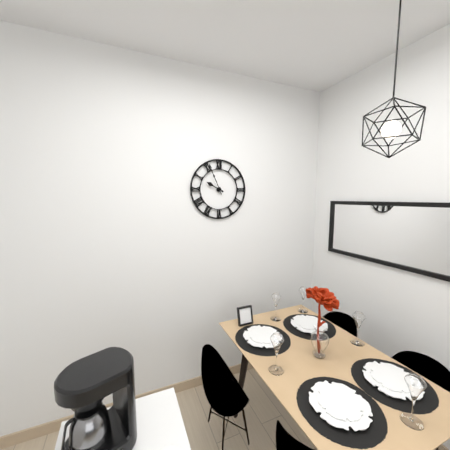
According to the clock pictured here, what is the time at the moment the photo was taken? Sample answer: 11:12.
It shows 9:56
